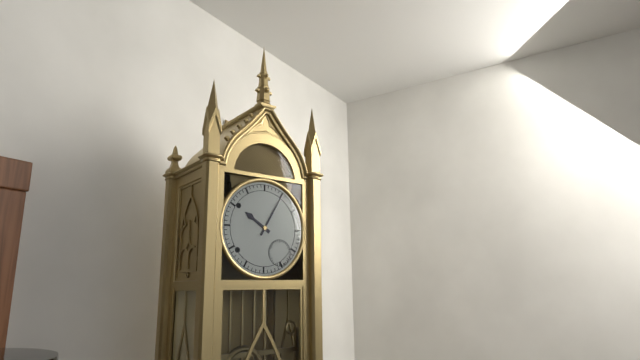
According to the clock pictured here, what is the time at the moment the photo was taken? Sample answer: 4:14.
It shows 10:05
